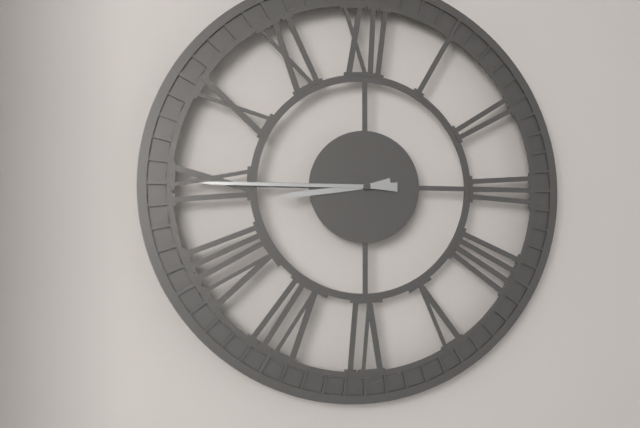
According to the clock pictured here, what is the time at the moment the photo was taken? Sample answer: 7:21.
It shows 8:45
